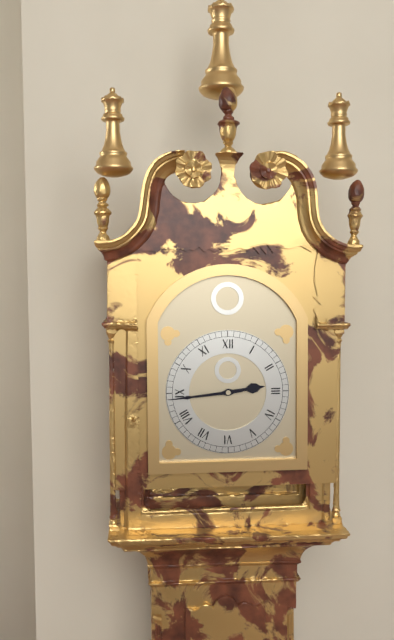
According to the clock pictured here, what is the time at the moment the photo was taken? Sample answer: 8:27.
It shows 2:44
